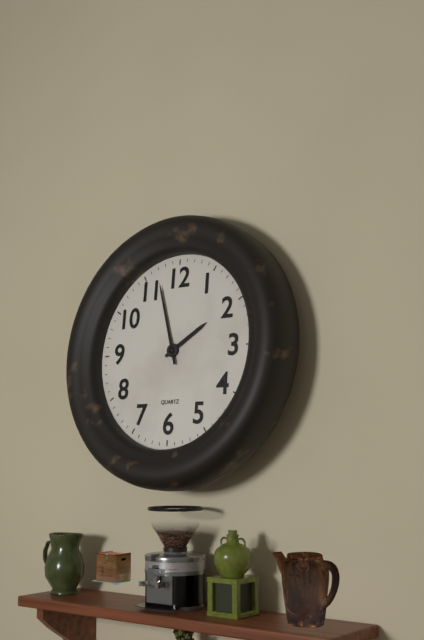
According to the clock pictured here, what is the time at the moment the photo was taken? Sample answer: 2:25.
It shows 1:57
